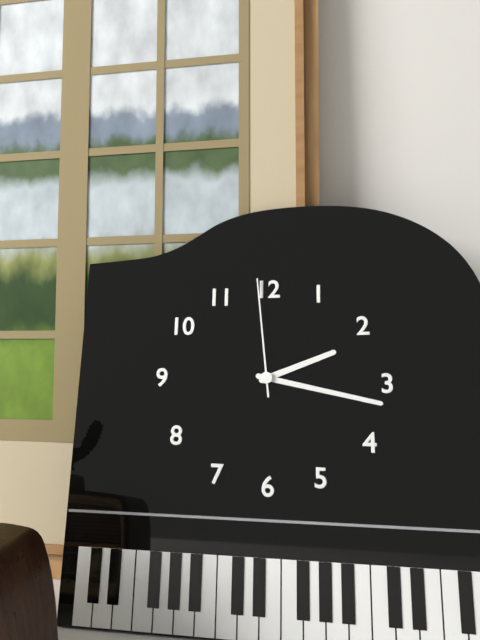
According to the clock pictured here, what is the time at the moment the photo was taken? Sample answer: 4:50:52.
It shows 2:17:59
